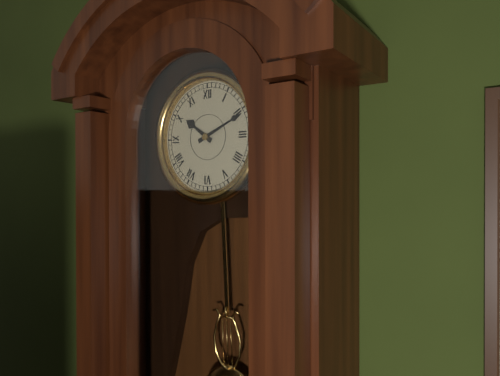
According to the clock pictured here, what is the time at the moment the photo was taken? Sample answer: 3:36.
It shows 10:11
